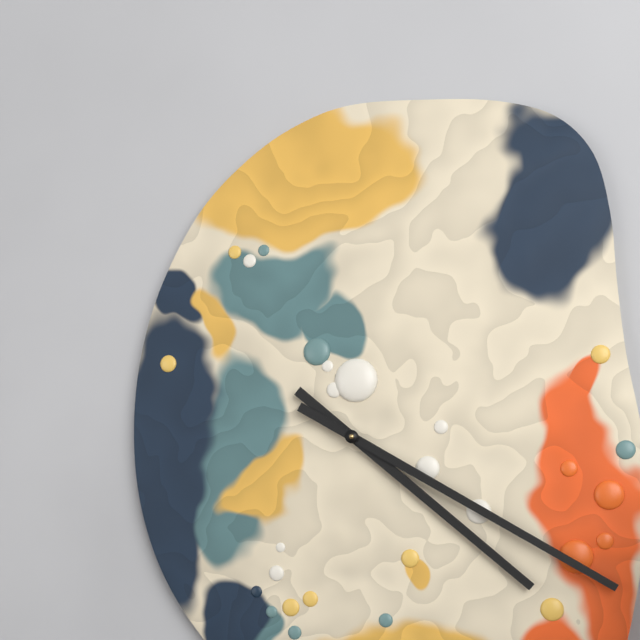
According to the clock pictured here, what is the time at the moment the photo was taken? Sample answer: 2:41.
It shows 4:20
